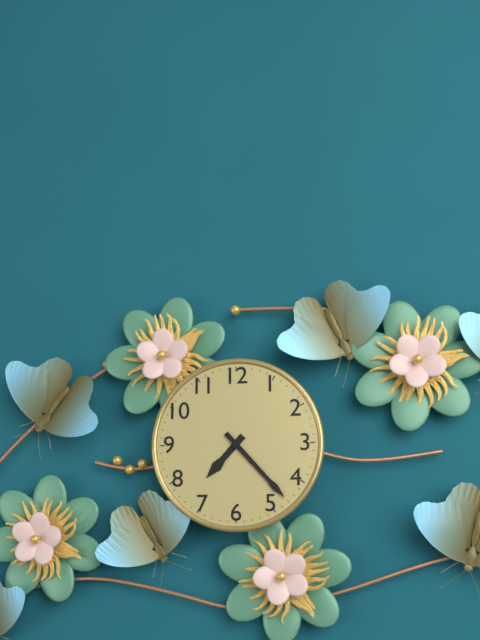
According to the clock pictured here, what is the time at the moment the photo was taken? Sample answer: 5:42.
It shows 7:23
